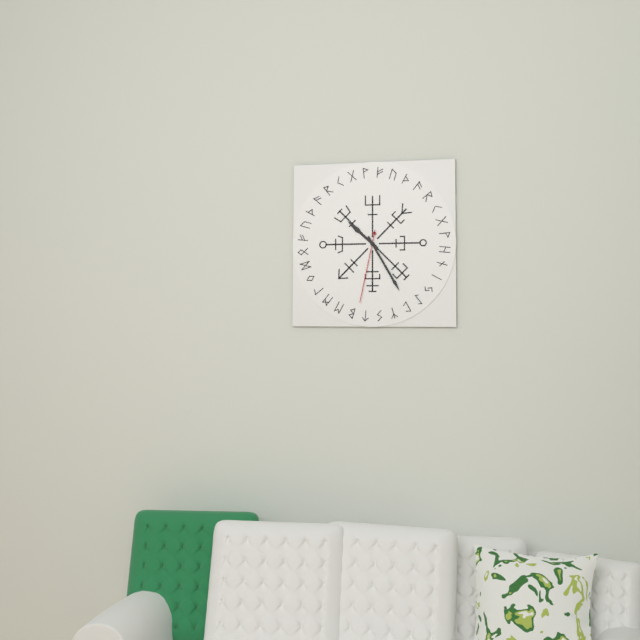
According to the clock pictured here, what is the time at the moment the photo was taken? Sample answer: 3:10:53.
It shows 10:25:32
